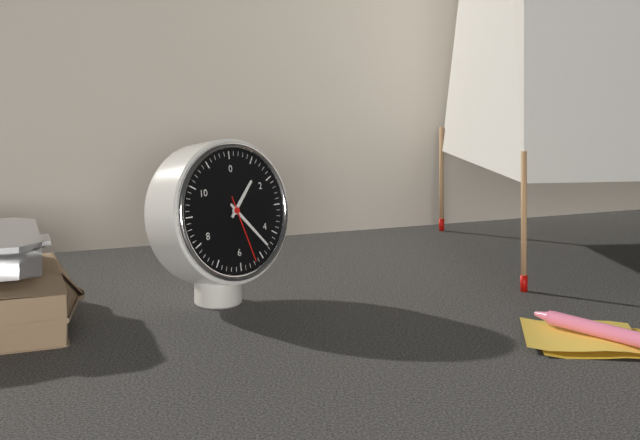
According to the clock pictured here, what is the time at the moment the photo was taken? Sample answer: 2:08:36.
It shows 1:23:27
